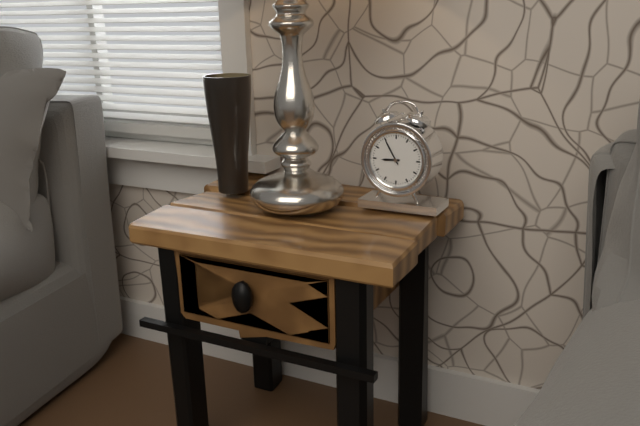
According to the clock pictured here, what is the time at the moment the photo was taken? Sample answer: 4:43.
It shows 8:55
